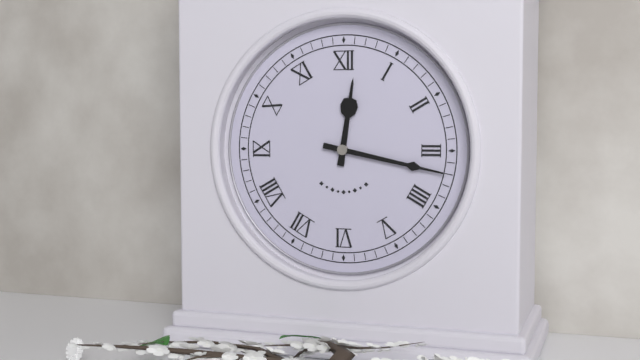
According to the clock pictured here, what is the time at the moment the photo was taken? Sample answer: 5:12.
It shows 12:17
